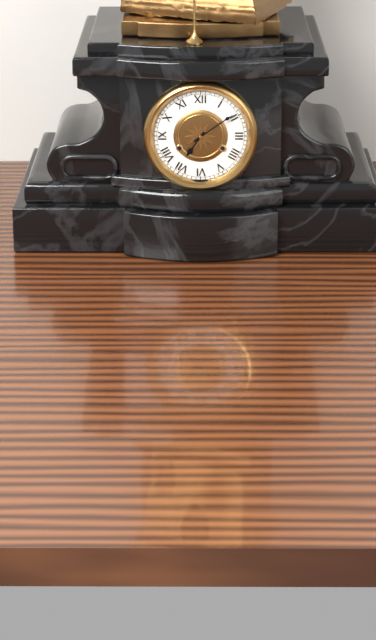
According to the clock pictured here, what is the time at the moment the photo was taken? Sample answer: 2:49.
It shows 7:09
